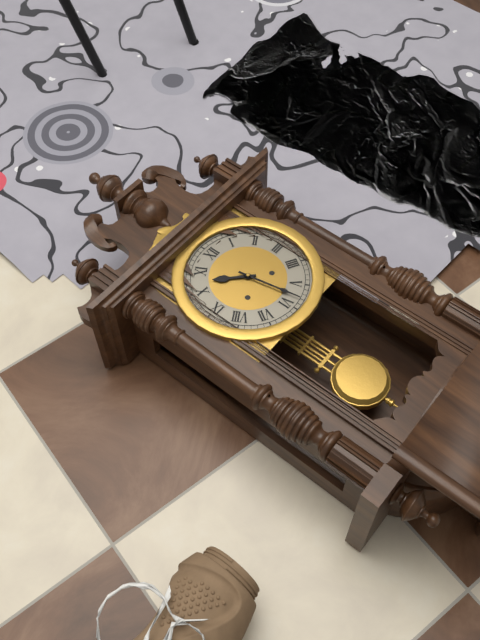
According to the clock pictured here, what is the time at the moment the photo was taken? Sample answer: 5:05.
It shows 10:28
